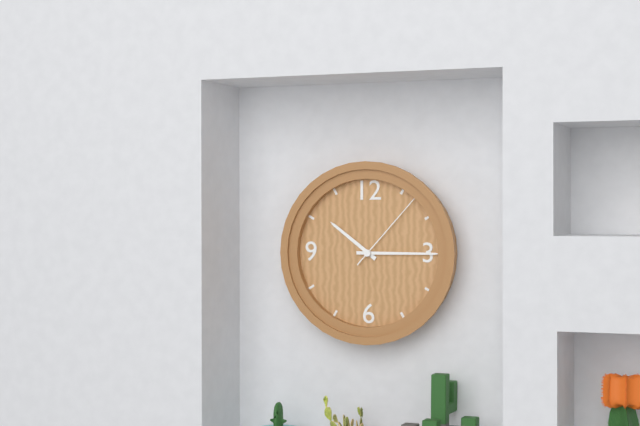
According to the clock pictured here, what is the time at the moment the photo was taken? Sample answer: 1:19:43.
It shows 10:15:07
